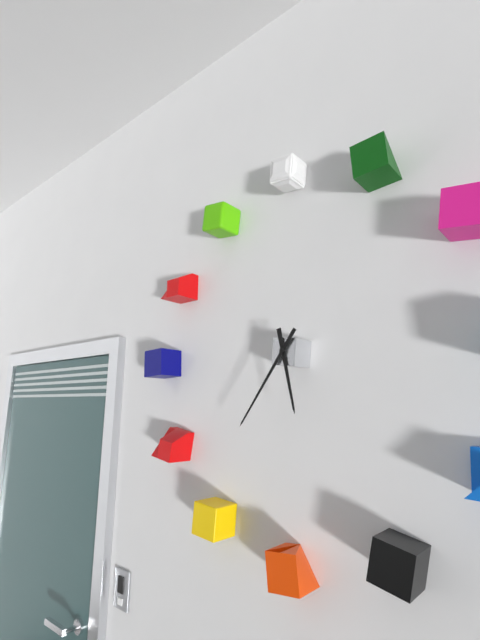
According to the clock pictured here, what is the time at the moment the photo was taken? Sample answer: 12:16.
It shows 5:36
